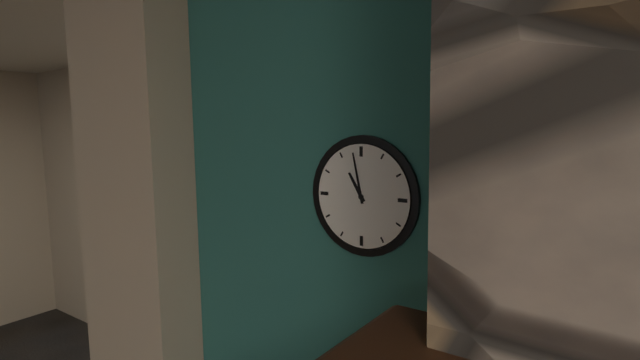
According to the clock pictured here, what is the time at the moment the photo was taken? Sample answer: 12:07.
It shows 10:58
